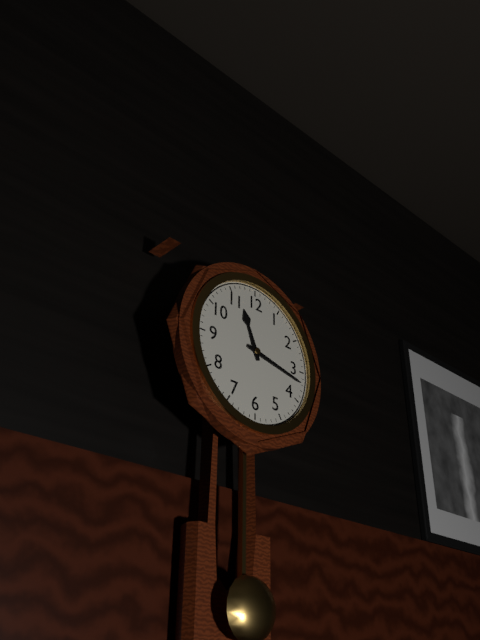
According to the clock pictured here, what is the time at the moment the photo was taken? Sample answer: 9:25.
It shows 11:17
